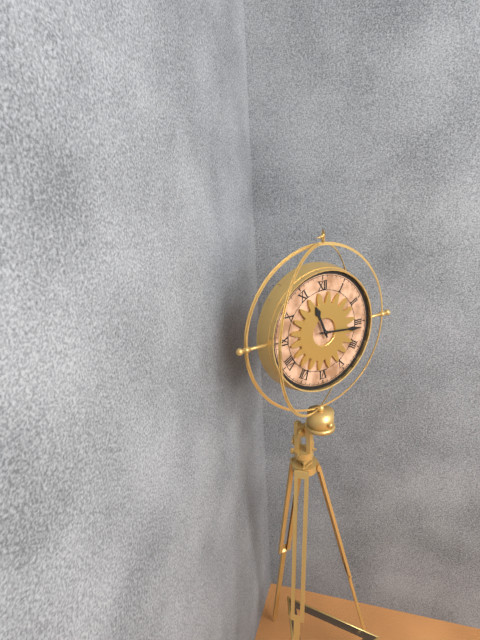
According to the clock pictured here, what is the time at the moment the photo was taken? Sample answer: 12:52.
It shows 11:16
